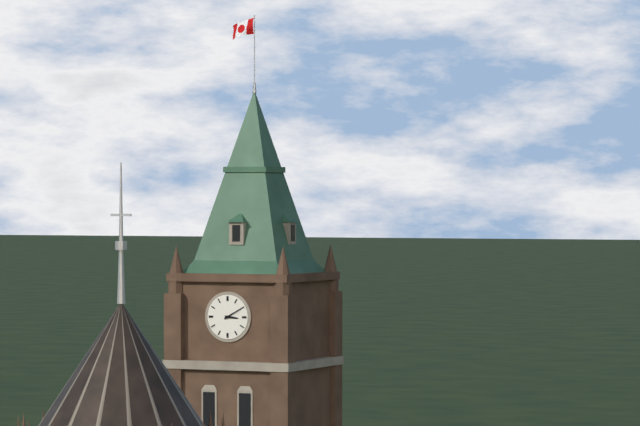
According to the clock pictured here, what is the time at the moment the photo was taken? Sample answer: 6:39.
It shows 3:10
